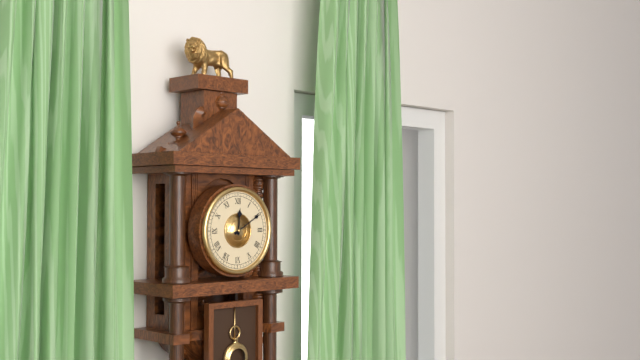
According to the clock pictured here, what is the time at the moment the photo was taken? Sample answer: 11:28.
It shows 12:10
